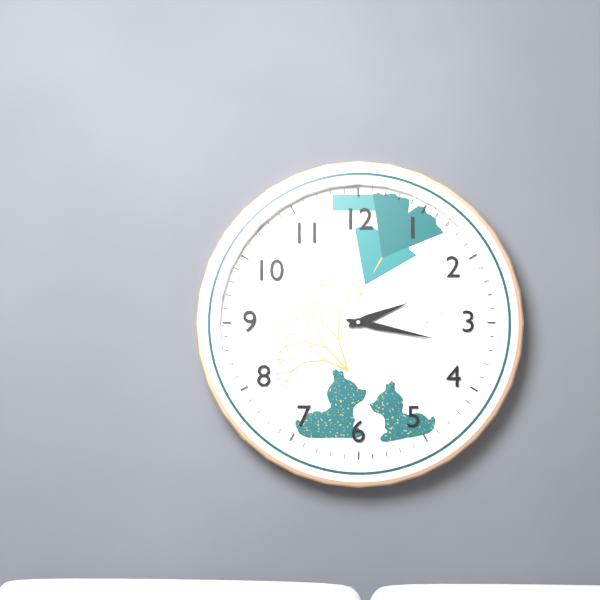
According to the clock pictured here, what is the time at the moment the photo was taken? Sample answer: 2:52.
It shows 2:17
